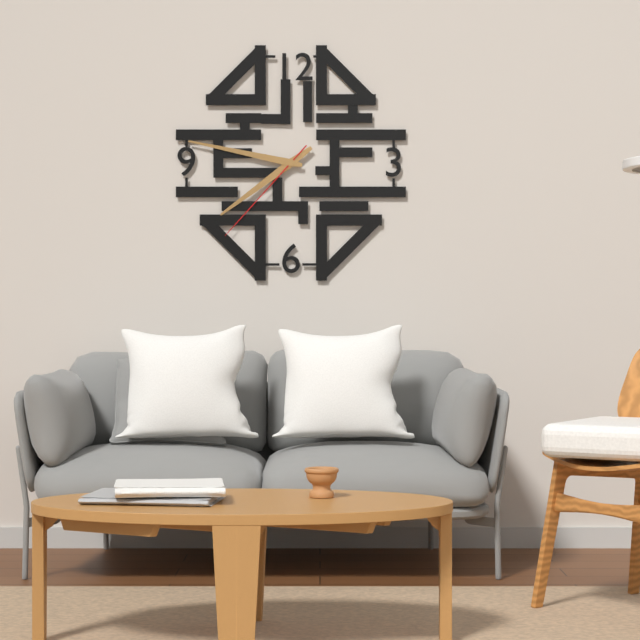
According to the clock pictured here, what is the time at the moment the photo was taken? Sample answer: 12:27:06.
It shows 7:47:37
